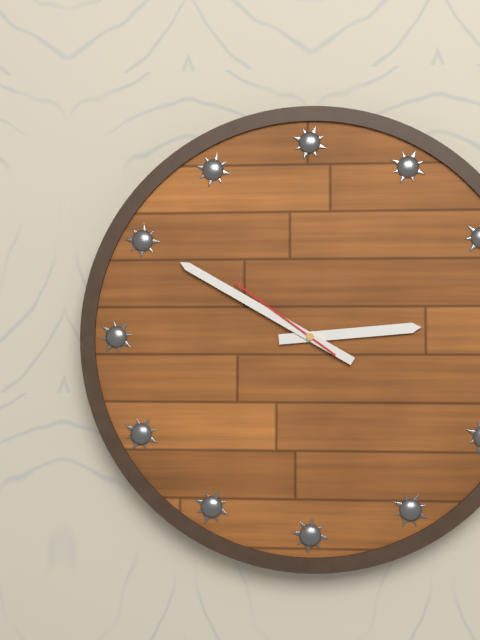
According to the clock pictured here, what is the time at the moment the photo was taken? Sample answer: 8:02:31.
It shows 2:50:51
